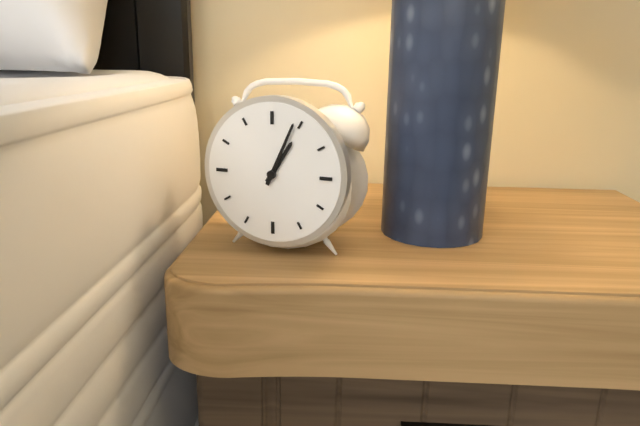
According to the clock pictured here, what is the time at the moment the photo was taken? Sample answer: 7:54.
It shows 1:04
